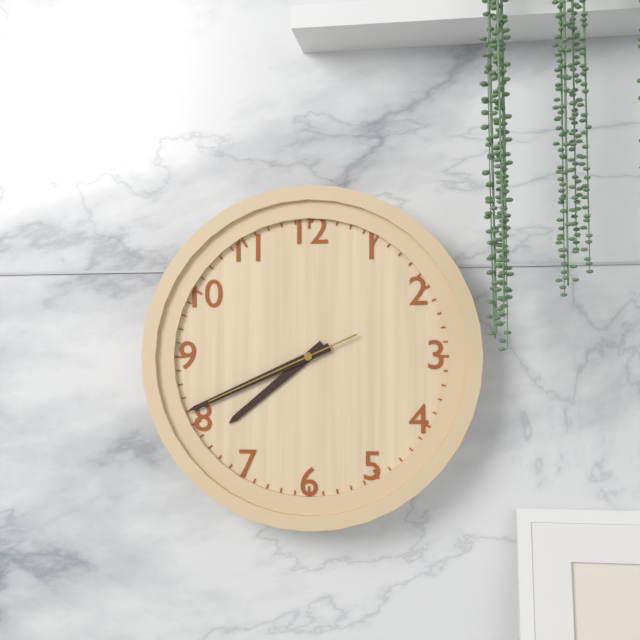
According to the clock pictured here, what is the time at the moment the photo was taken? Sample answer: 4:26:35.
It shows 7:41:41
